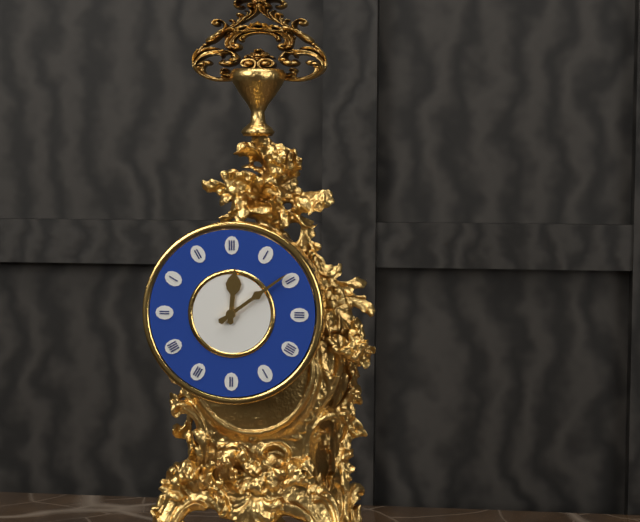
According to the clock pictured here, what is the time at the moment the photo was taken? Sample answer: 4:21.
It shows 12:09
